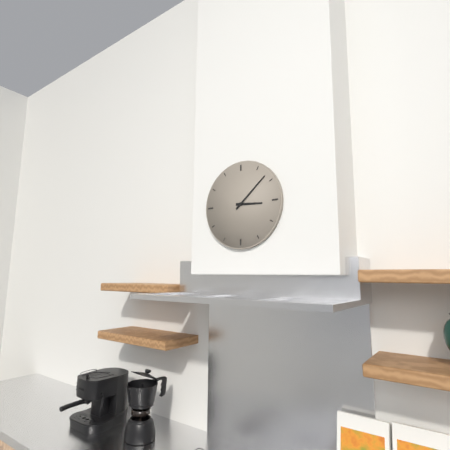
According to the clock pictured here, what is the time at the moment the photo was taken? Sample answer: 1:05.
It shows 3:08
